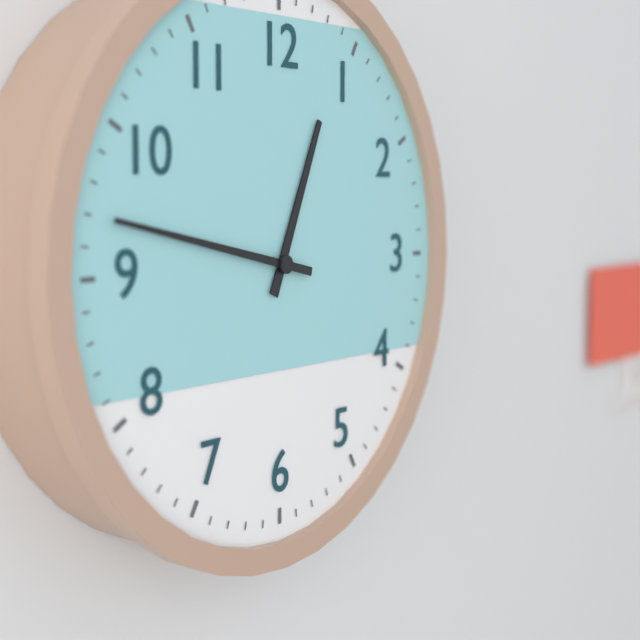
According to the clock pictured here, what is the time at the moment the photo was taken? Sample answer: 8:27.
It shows 12:47
